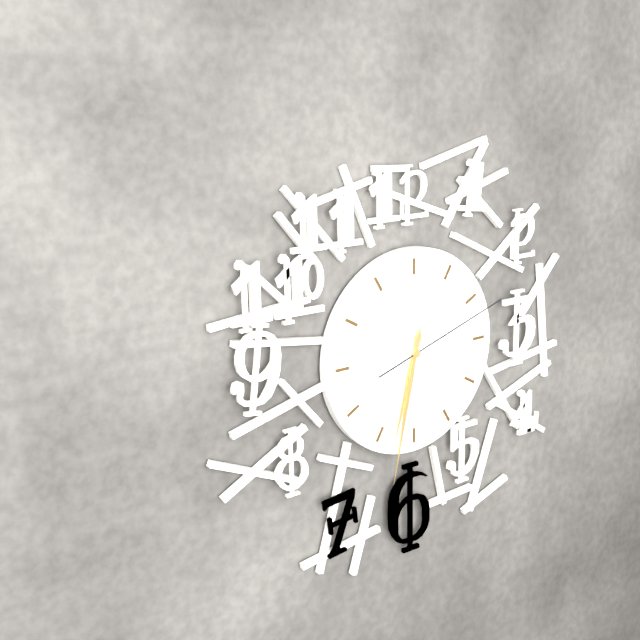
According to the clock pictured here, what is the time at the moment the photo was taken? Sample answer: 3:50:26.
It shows 6:32:12
